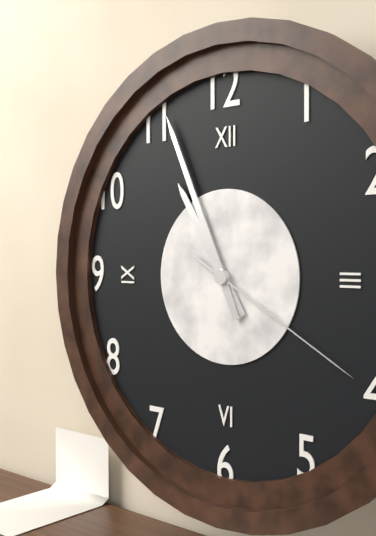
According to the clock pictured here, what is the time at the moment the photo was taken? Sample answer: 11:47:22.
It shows 10:56:20
